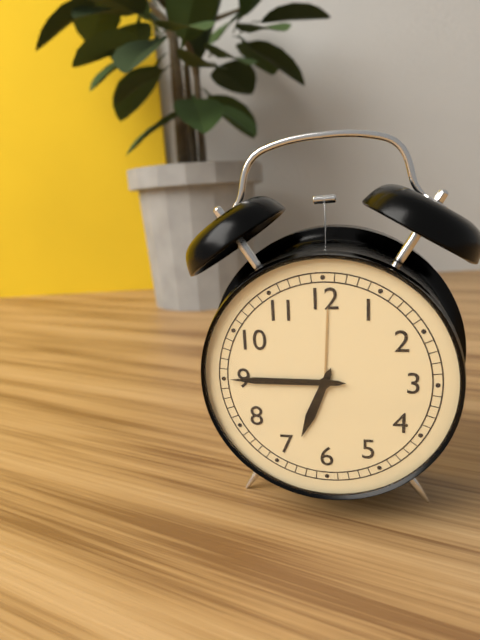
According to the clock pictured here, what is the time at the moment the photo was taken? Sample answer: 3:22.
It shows 6:45
